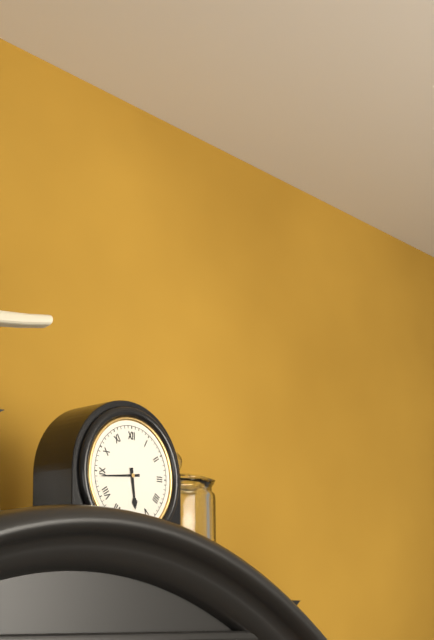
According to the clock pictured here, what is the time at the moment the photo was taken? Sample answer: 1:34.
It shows 5:44
